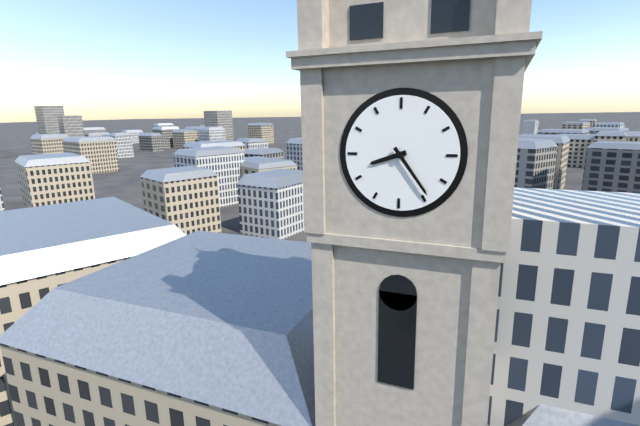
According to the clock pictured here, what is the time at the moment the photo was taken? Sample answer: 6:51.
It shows 8:24
